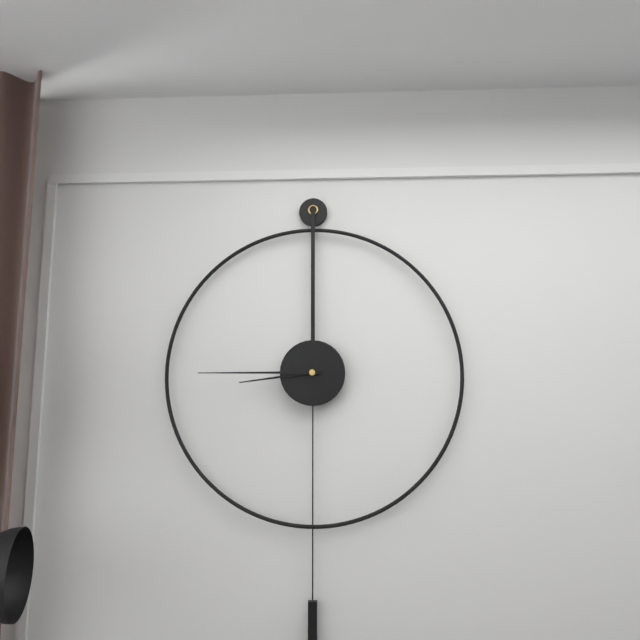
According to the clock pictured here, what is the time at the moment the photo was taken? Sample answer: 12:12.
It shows 8:45
